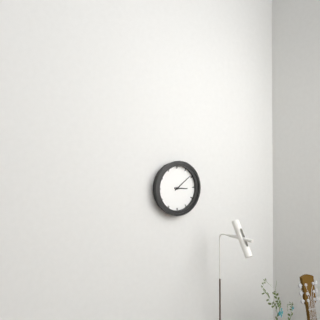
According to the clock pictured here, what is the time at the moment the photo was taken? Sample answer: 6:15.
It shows 3:09
